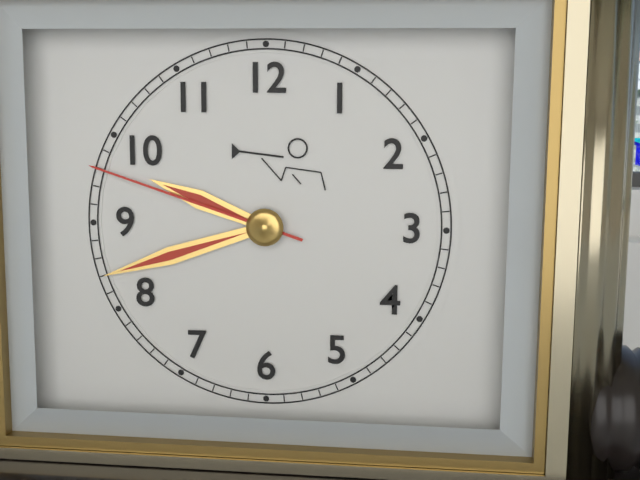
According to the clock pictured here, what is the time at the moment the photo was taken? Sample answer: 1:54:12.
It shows 9:42:48
